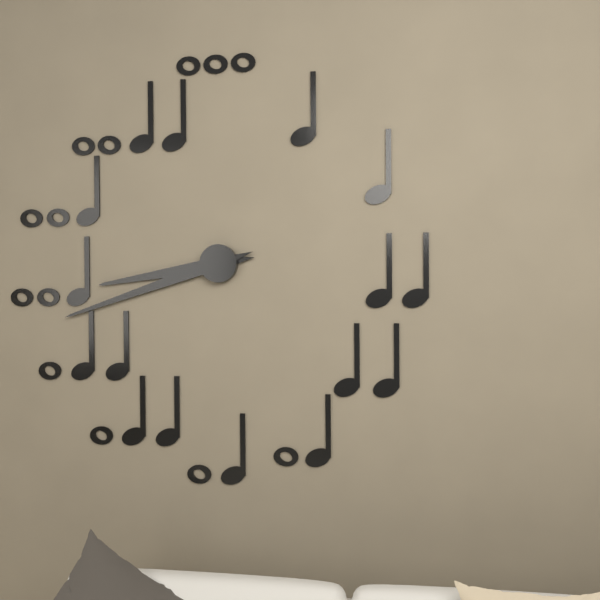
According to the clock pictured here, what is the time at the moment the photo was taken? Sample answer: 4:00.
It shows 8:42
